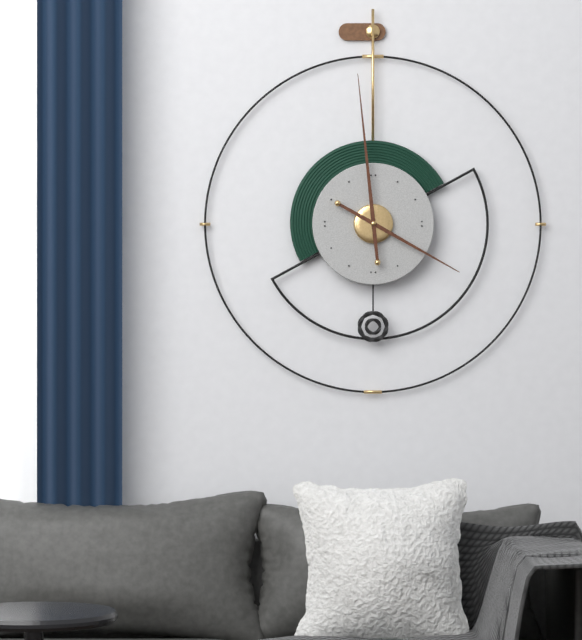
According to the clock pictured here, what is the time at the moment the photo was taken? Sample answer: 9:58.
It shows 3:59
